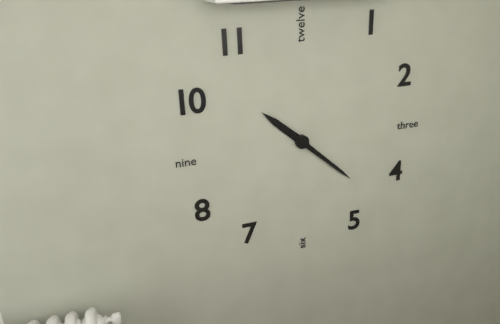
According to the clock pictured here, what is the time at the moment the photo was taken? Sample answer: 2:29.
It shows 10:22
